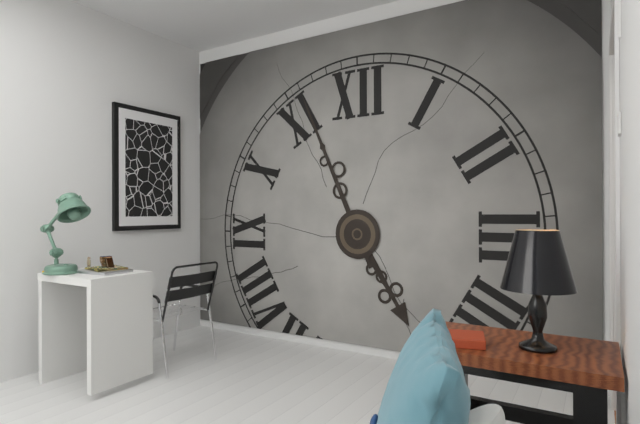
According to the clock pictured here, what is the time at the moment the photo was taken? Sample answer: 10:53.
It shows 4:56
